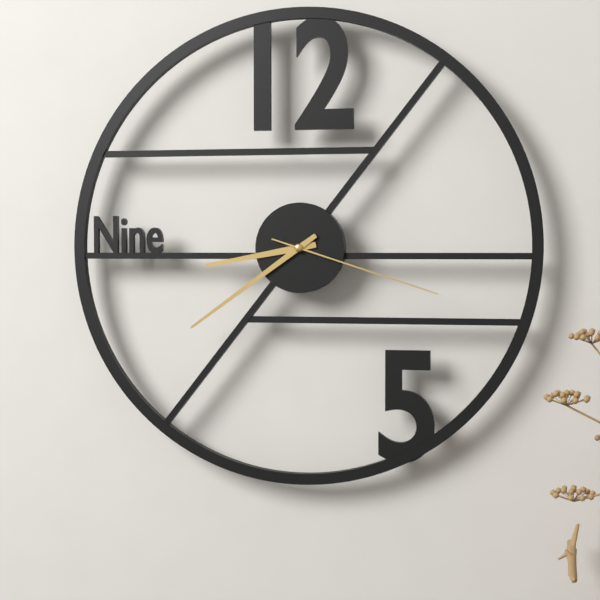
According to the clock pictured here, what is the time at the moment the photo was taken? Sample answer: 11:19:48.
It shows 8:39:18
